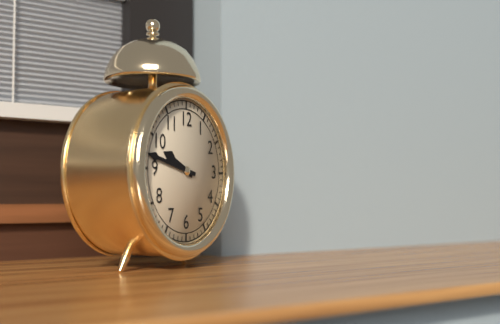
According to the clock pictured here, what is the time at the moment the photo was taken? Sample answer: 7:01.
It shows 9:47
